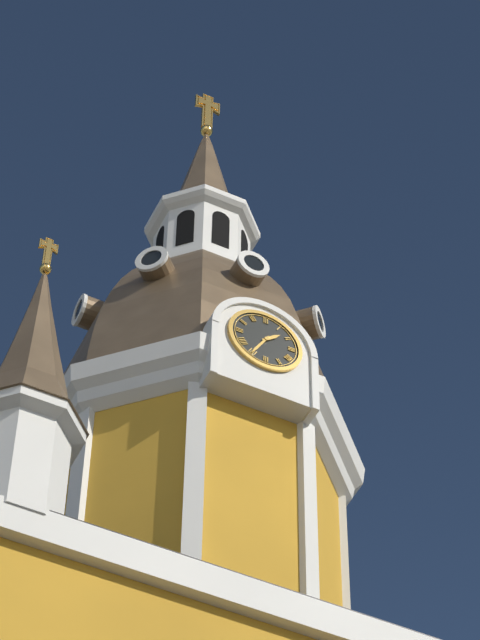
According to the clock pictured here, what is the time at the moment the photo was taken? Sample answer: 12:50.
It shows 1:35
